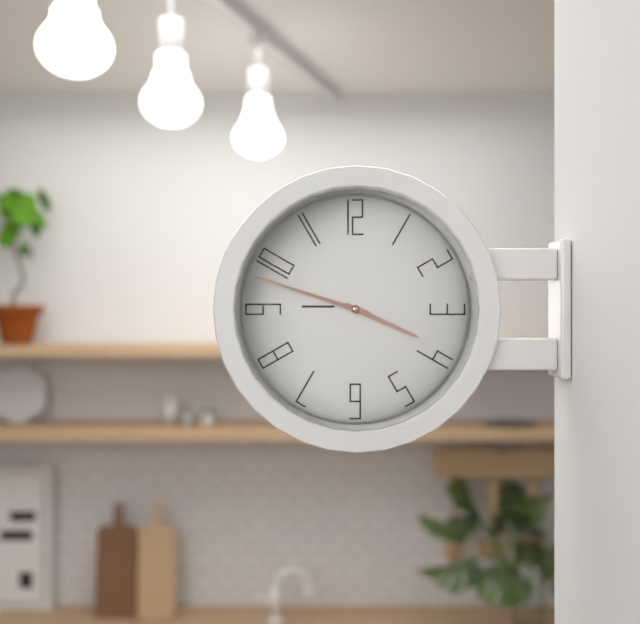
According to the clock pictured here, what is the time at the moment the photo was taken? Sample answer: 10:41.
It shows 3:48
